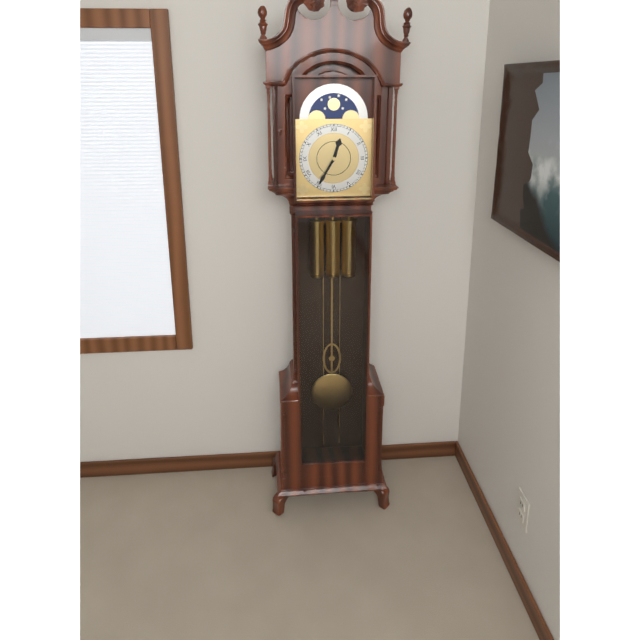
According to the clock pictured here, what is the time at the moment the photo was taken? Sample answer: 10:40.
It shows 12:35
